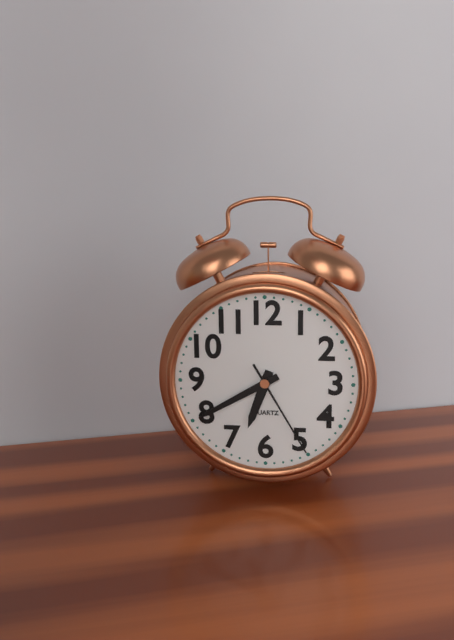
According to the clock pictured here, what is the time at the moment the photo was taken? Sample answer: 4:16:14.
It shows 6:40:25
